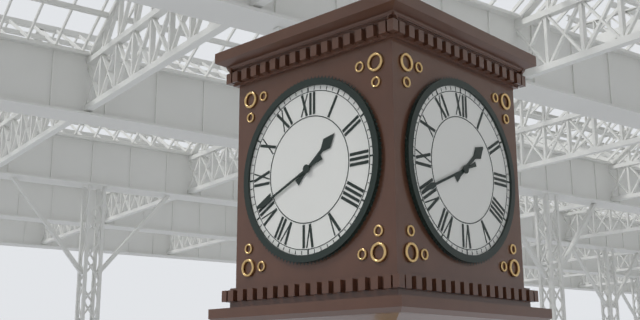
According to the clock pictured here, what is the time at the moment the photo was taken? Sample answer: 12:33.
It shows 1:41
